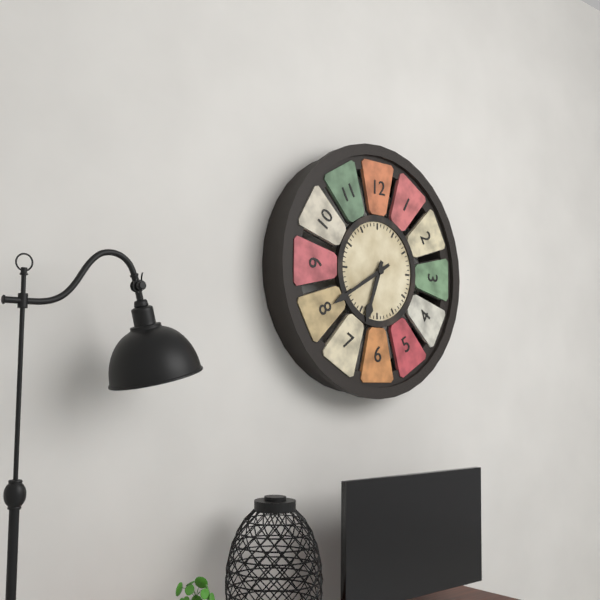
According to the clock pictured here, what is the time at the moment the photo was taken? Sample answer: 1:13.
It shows 6:40
